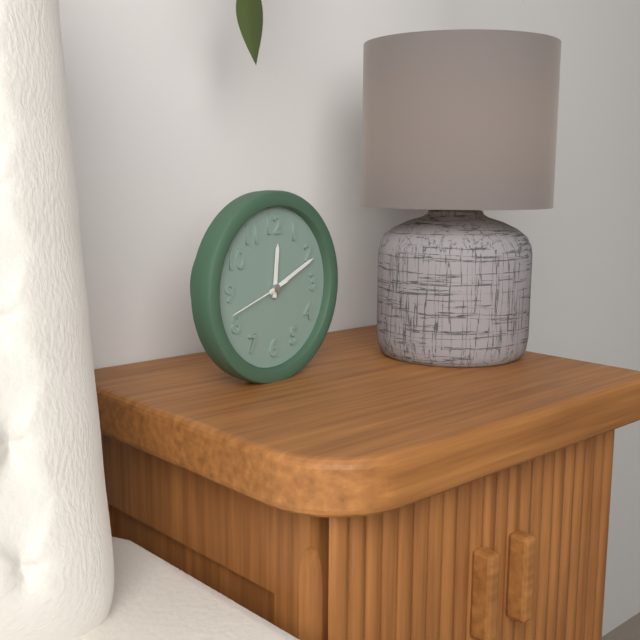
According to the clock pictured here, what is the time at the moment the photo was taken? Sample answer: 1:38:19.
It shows 12:11:42
